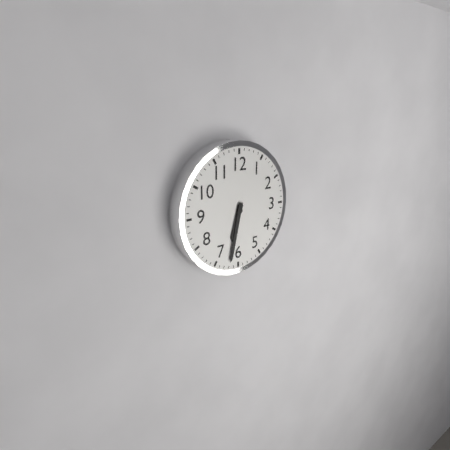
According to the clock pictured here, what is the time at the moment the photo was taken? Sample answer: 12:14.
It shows 6:32
